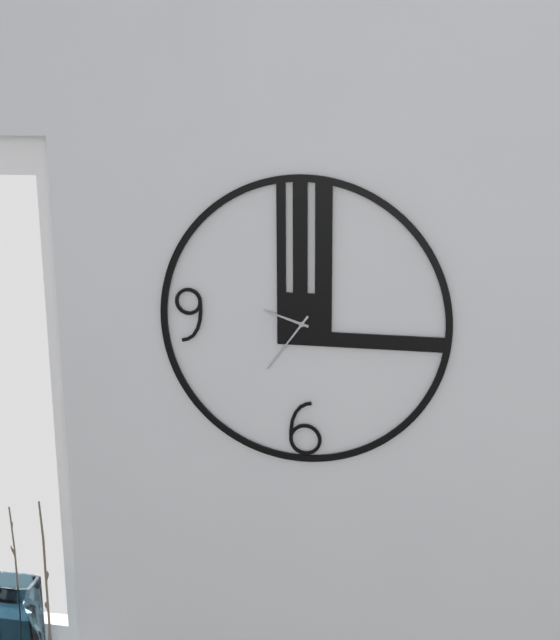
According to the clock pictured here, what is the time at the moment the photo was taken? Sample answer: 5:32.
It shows 9:36
